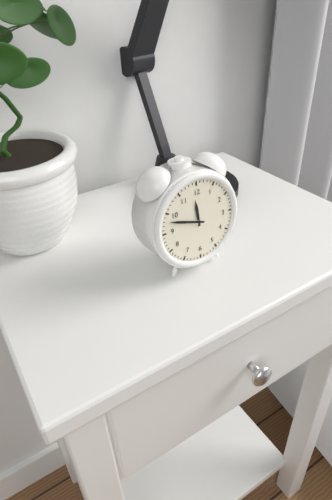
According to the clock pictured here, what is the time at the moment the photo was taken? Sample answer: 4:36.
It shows 11:48
